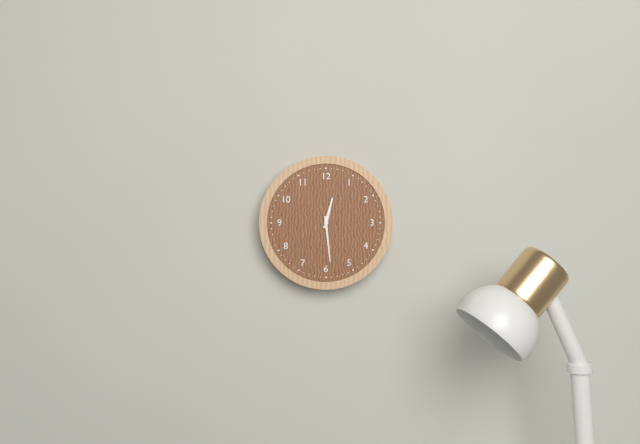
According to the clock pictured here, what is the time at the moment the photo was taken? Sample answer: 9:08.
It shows 12:29
